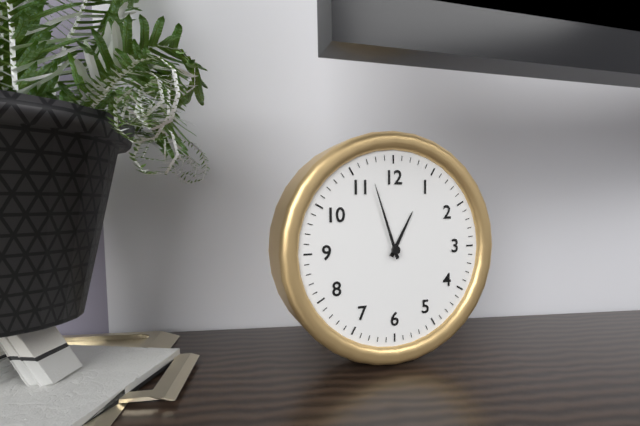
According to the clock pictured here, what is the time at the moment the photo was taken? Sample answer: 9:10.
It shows 12:57
